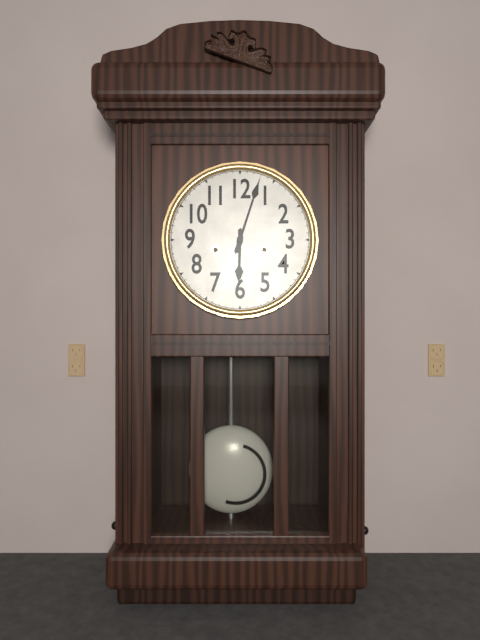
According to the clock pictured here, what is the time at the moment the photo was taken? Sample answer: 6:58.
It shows 6:03
